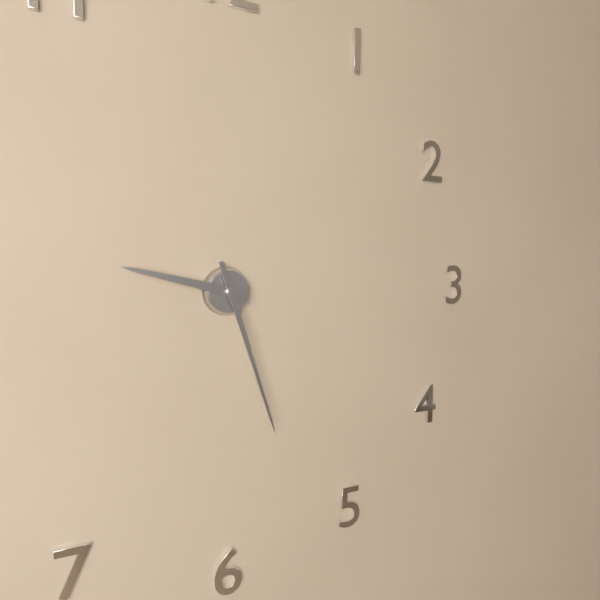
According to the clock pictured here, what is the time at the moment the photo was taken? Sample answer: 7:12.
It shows 9:27
